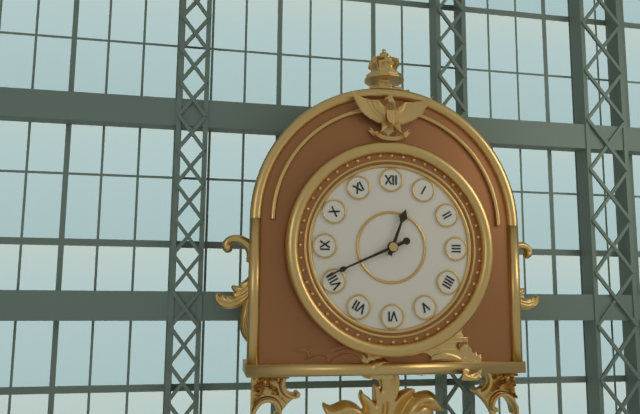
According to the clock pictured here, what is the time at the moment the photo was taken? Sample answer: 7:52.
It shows 12:41
